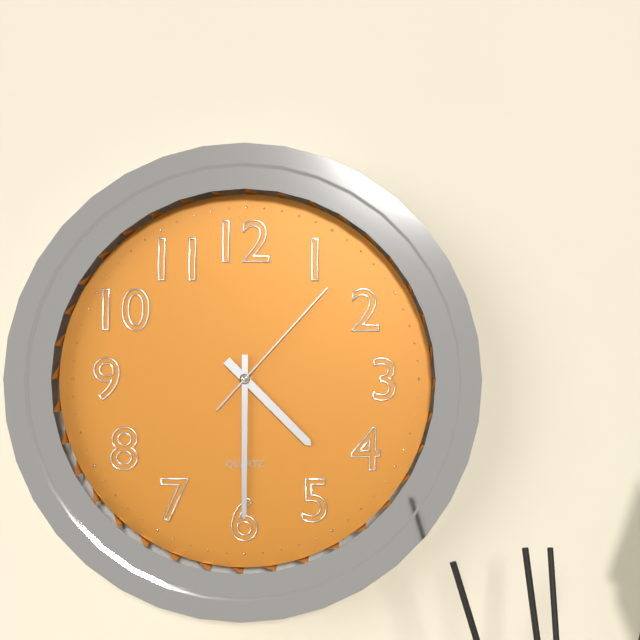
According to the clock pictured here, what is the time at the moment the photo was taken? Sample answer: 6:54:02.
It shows 4:30:07
